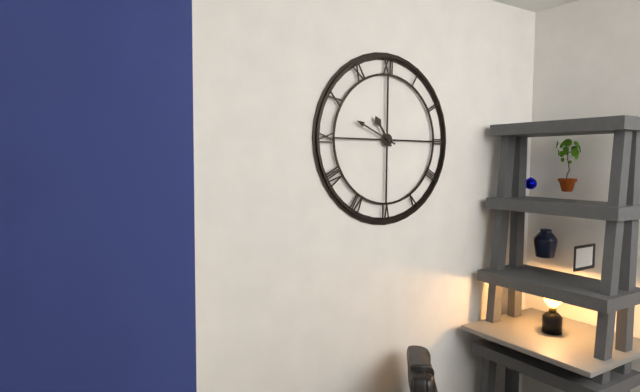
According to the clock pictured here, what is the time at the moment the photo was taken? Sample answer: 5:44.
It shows 10:49
